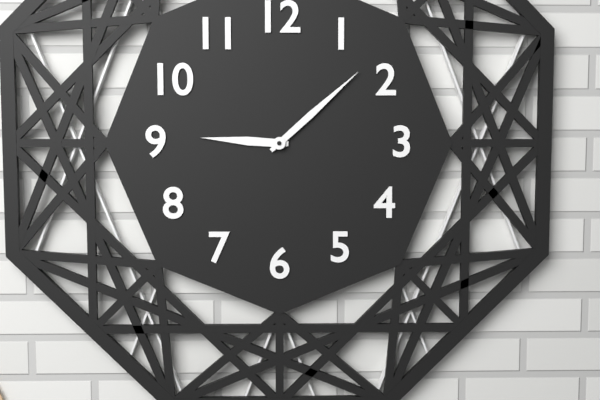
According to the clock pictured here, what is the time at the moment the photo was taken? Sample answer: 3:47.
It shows 9:08
